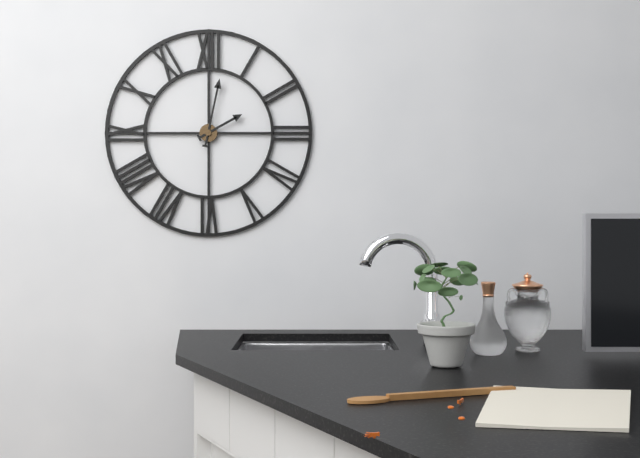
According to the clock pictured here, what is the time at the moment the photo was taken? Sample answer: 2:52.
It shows 2:02
